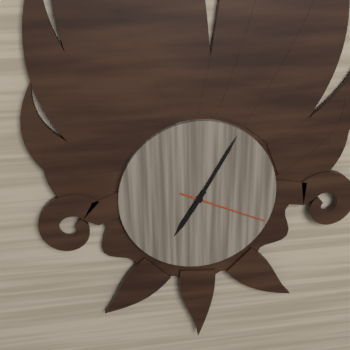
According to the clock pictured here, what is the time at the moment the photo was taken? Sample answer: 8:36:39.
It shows 7:05:19
